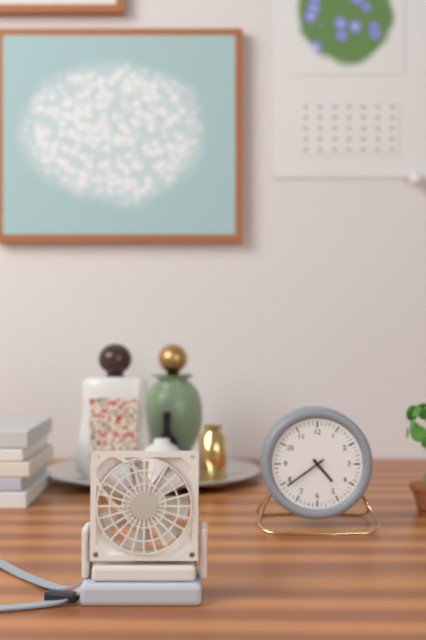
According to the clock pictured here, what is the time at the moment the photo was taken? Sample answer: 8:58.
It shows 4:39
